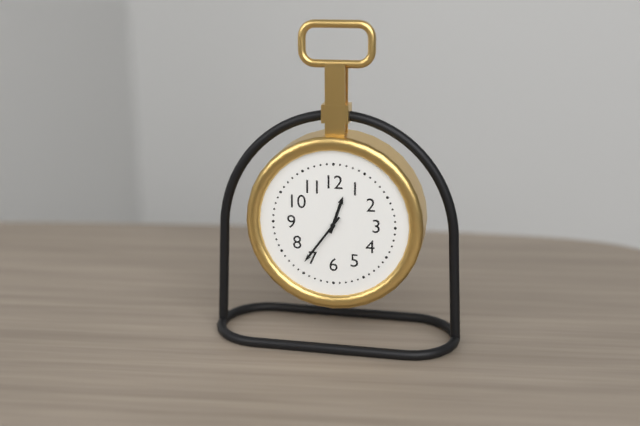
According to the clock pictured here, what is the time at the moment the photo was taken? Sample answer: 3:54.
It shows 12:36
